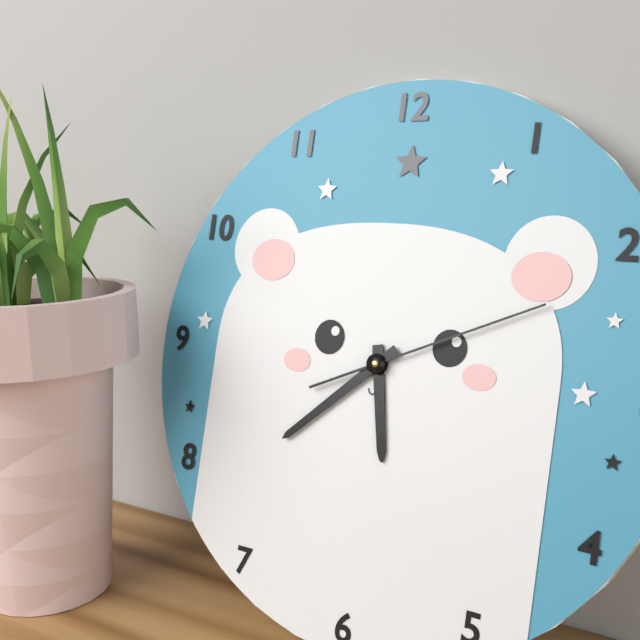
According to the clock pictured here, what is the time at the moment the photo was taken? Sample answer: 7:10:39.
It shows 5:38:11
